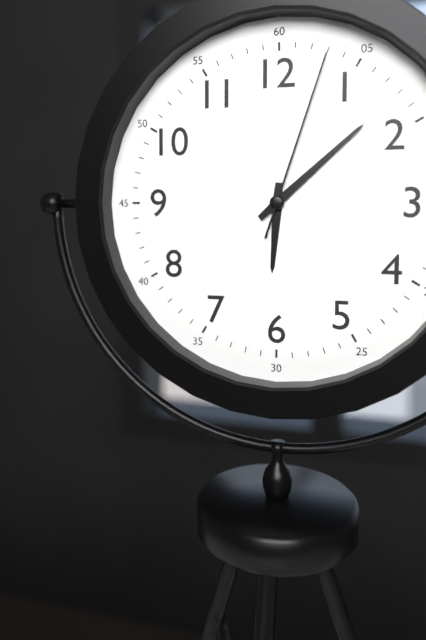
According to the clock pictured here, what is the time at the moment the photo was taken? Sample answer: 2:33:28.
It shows 6:08:03
